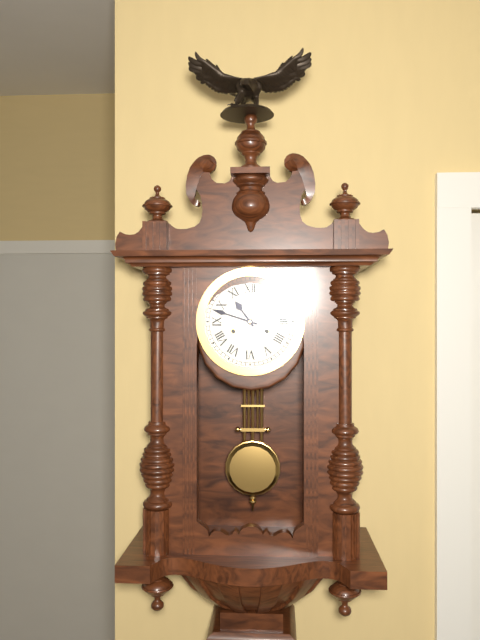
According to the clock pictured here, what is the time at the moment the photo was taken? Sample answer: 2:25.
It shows 10:48
